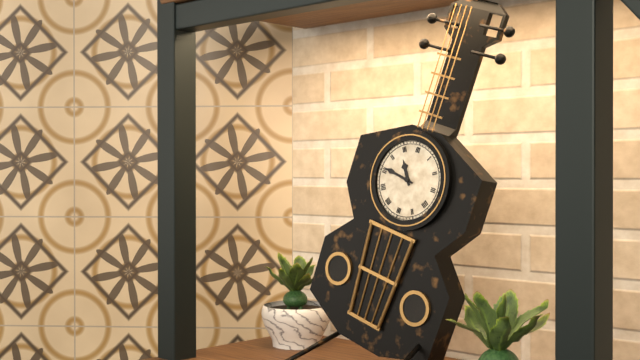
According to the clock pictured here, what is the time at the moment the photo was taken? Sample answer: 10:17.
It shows 10:46
